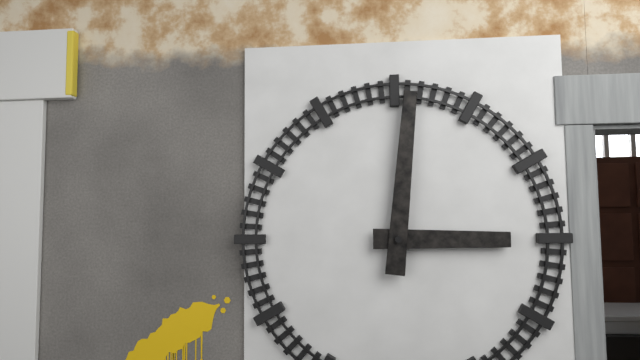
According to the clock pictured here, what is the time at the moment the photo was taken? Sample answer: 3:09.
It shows 3:01
